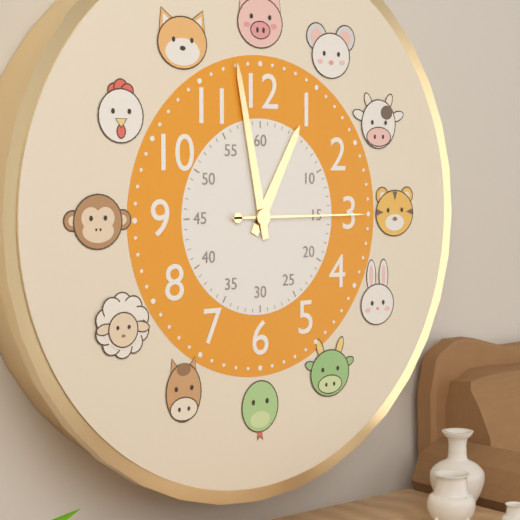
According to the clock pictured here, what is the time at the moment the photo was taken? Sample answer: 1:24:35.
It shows 12:58:15
